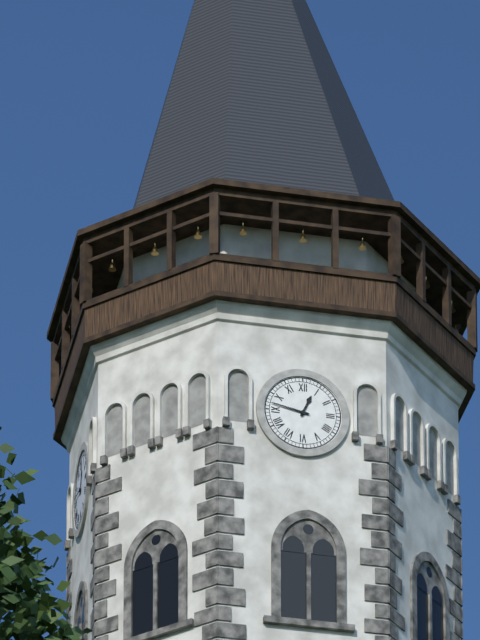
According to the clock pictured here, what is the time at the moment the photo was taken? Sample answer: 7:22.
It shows 12:47
